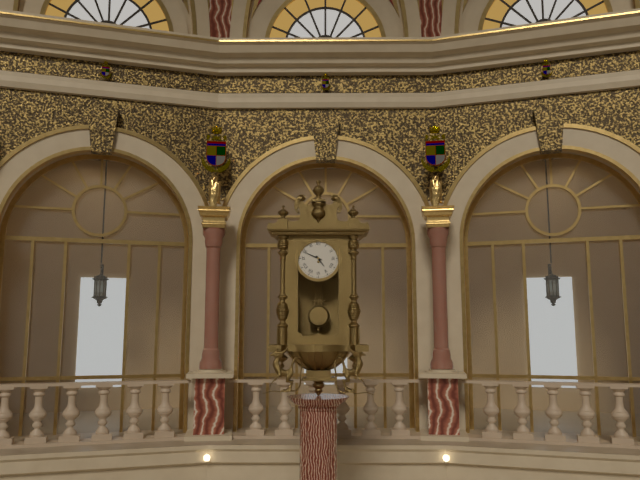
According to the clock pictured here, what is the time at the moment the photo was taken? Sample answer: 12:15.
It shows 4:49
